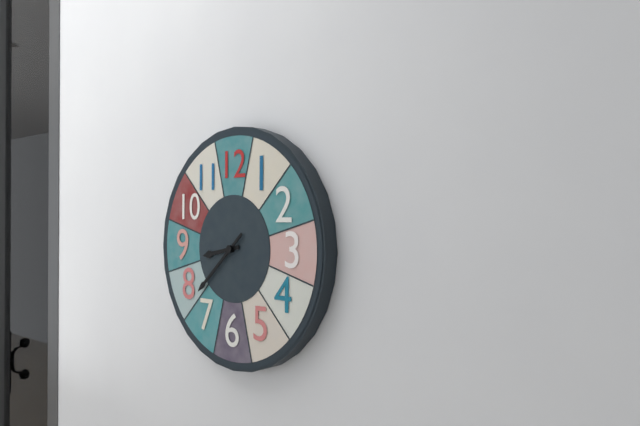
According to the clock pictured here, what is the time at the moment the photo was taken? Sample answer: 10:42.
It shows 8:38
